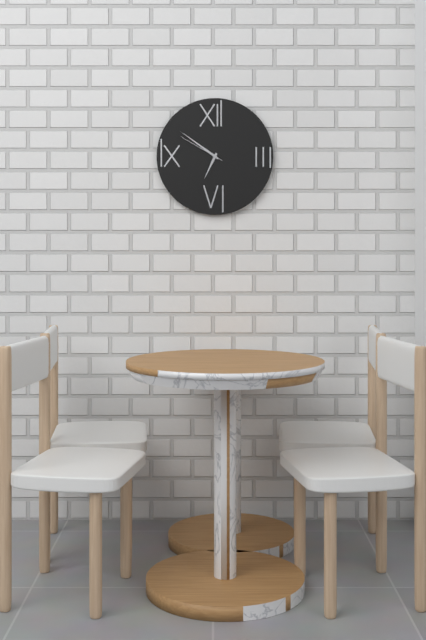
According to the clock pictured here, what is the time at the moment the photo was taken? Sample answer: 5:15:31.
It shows 6:51:50
